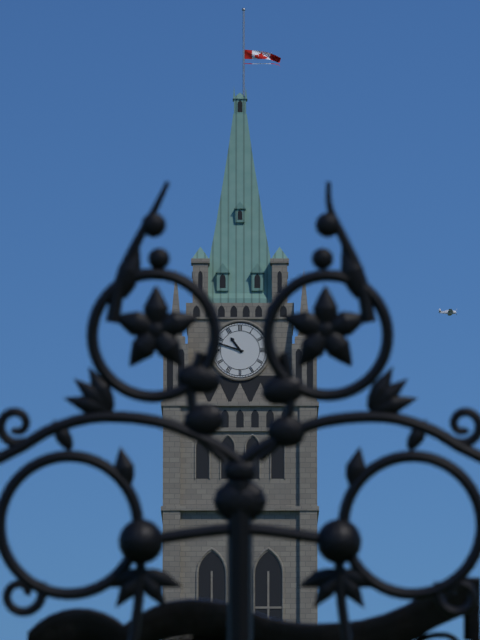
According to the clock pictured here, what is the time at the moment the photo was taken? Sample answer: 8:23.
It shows 10:48
